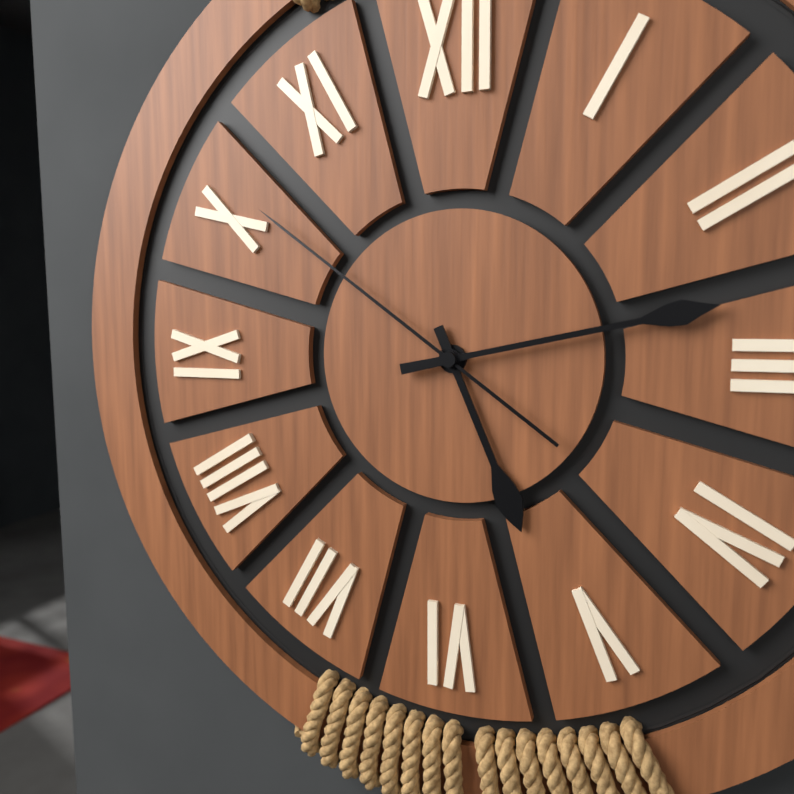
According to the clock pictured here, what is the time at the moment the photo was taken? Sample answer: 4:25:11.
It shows 5:13:51
